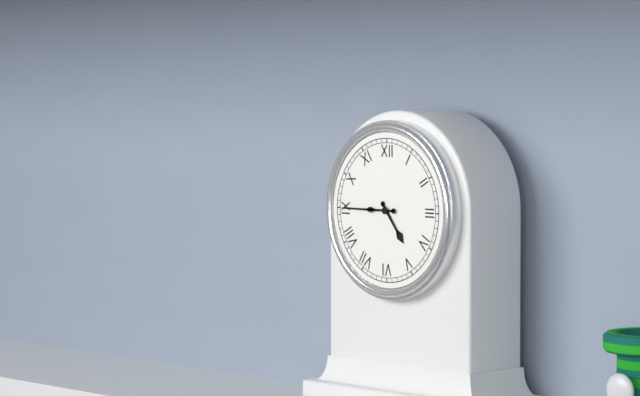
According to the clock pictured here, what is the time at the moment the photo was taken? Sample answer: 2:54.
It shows 4:45
